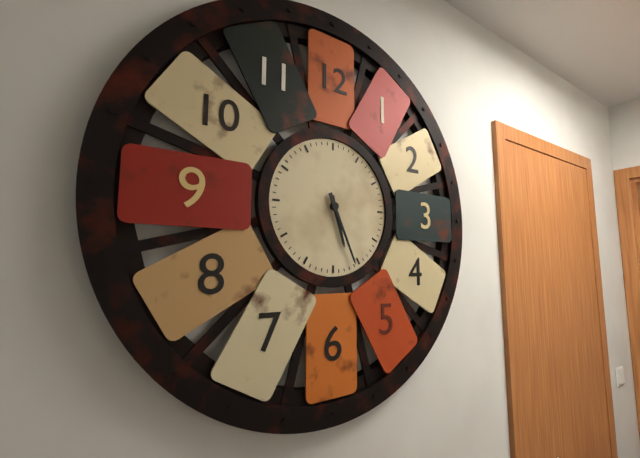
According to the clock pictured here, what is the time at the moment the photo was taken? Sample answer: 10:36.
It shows 5:26
